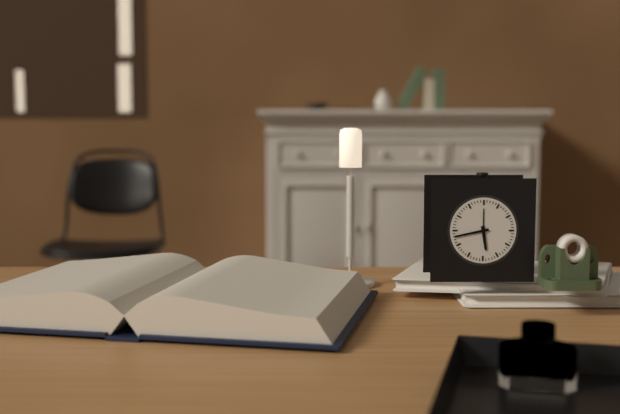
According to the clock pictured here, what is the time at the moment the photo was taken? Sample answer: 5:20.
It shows 5:43
